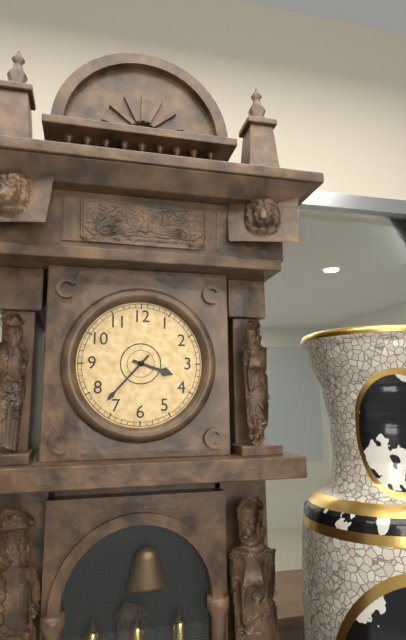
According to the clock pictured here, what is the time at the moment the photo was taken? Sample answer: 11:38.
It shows 3:37
